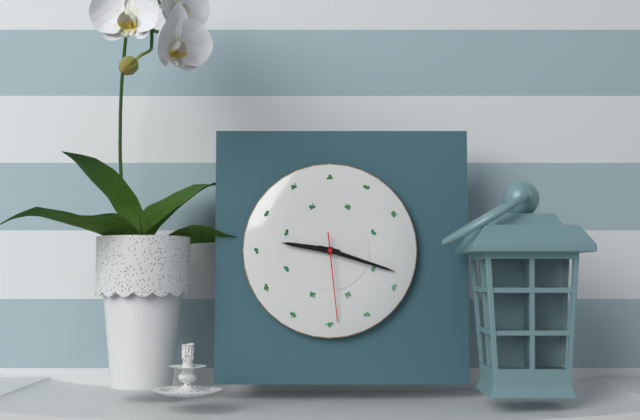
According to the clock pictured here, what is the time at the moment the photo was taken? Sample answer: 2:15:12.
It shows 9:18:29
